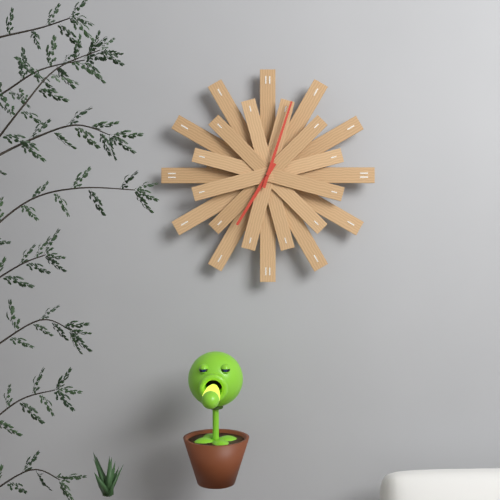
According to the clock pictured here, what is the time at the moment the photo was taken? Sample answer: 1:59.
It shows 7:03
